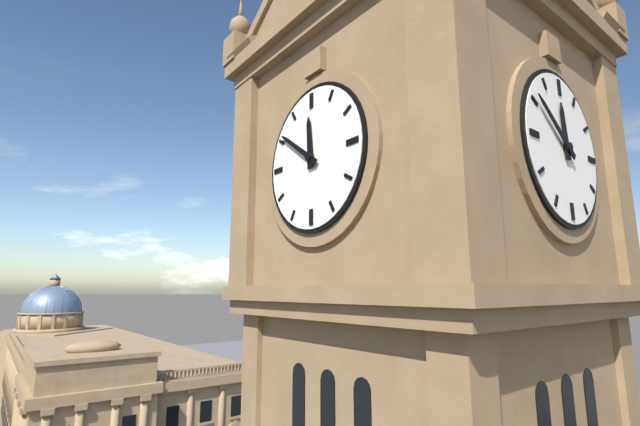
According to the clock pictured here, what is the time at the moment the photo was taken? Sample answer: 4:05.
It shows 11:51
